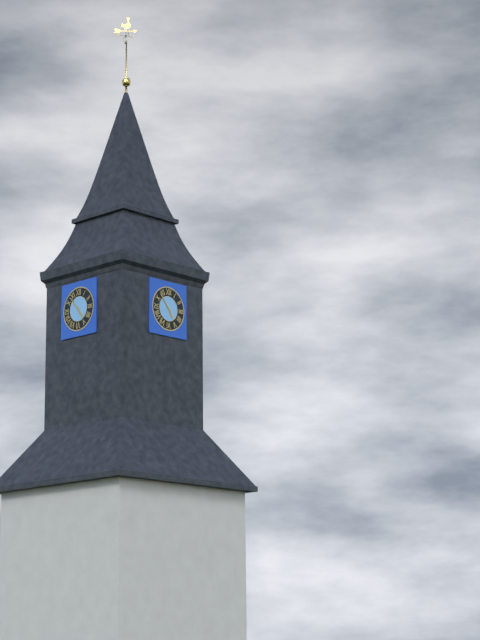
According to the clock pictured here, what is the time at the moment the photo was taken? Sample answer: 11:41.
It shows 4:53
